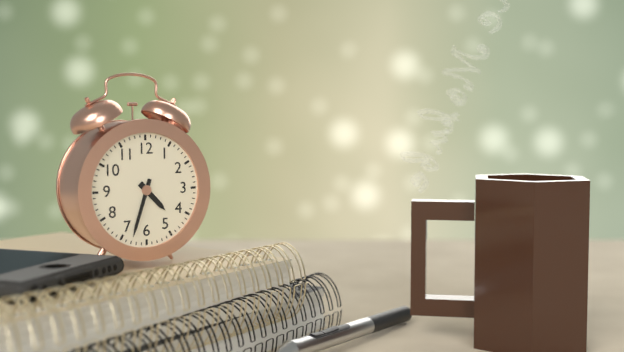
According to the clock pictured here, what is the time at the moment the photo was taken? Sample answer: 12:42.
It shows 4:33
